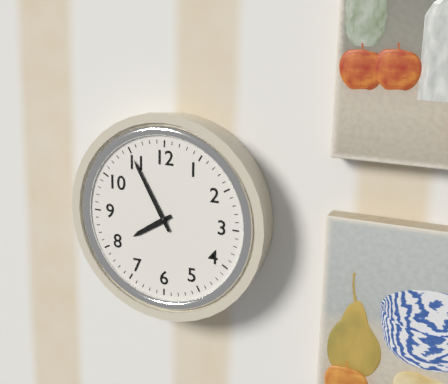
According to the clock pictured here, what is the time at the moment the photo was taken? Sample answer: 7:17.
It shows 7:55
